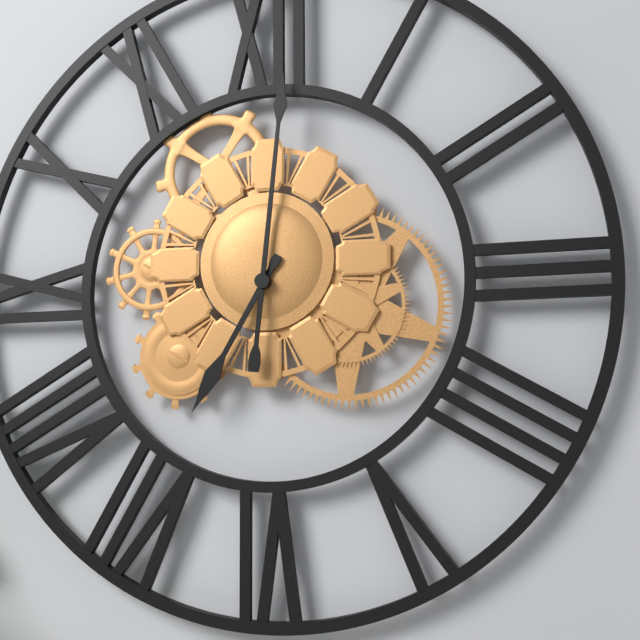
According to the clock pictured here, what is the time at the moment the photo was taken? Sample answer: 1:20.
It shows 7:01
